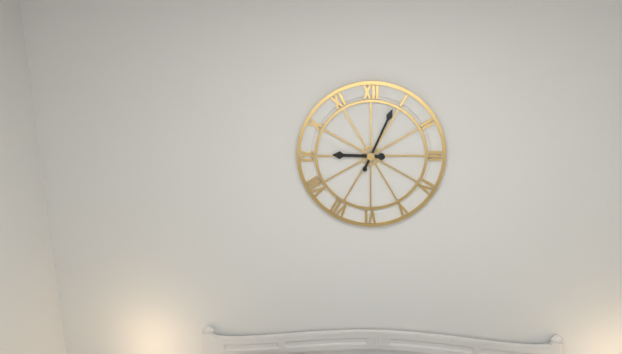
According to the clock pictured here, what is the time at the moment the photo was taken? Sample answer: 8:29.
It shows 9:04
